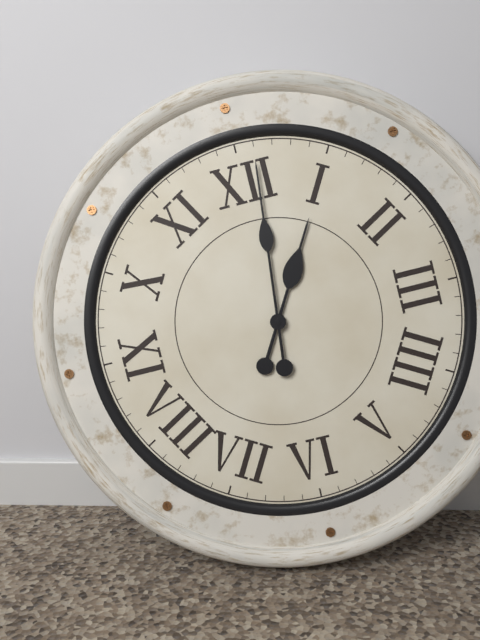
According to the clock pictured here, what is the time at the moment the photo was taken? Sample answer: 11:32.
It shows 1:01
